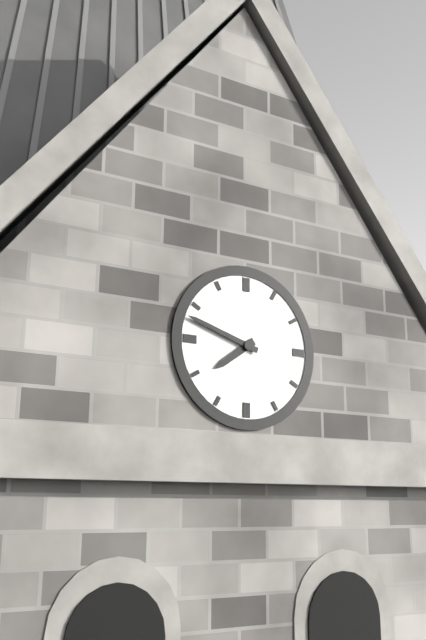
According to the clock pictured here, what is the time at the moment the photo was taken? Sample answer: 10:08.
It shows 7:48
